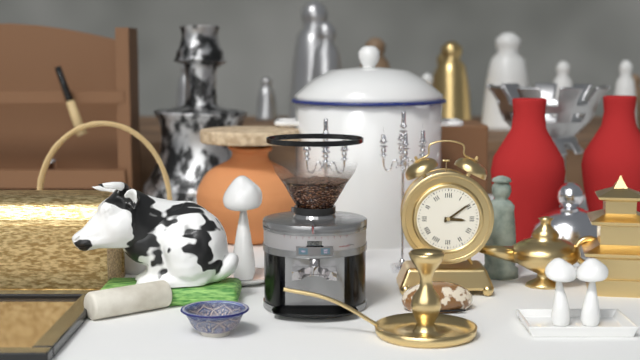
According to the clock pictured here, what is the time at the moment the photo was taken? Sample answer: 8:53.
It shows 3:09
